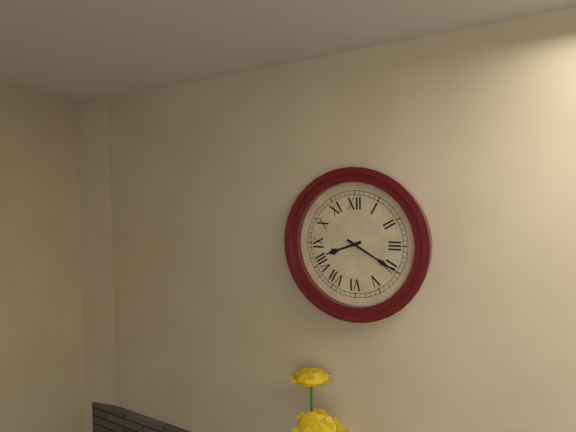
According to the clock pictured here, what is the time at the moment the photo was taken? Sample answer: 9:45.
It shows 8:20
